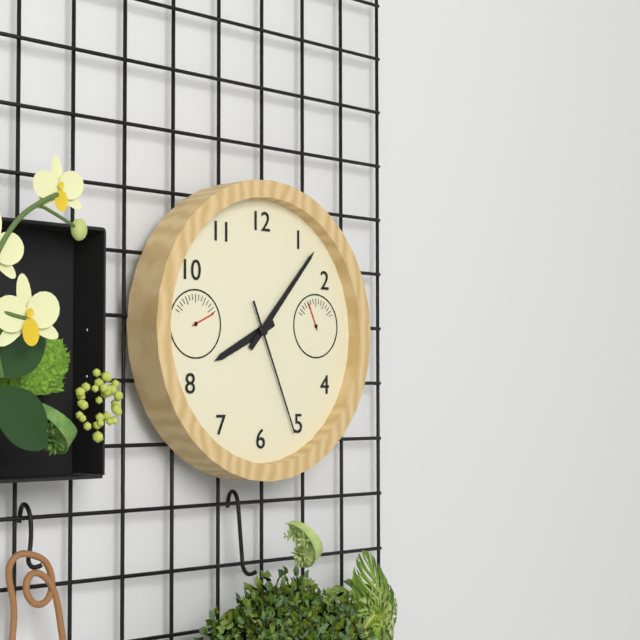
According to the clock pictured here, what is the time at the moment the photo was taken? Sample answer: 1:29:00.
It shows 8:07:26
